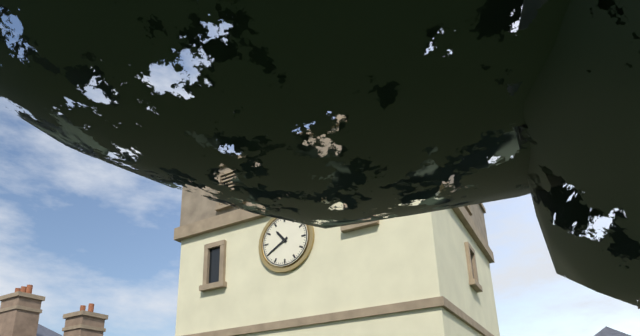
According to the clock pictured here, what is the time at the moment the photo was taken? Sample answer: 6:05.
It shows 10:40
